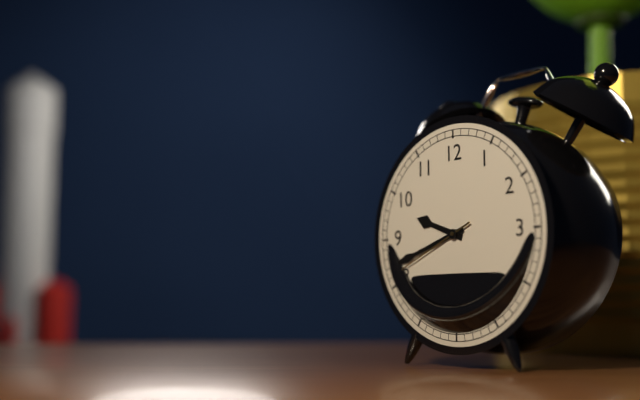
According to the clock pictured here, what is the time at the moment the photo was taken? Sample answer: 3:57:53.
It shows 9:42:41
